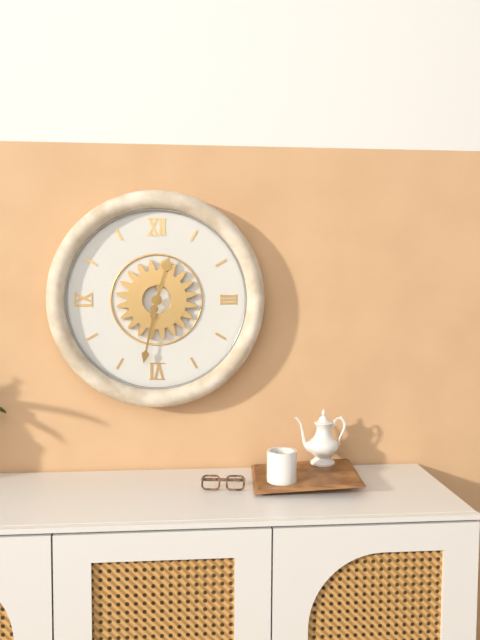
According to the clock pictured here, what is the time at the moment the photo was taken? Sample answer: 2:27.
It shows 12:32
